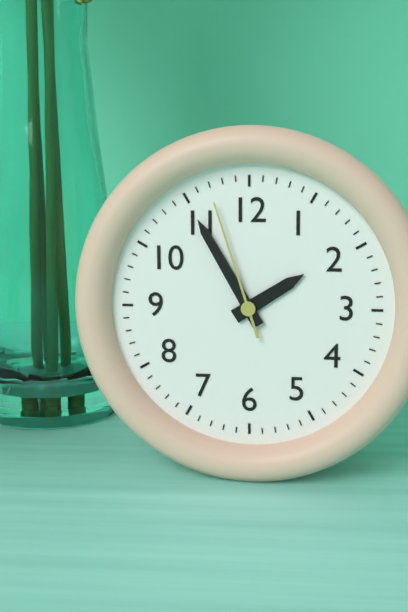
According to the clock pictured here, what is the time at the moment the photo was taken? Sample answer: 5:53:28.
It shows 1:55:57
